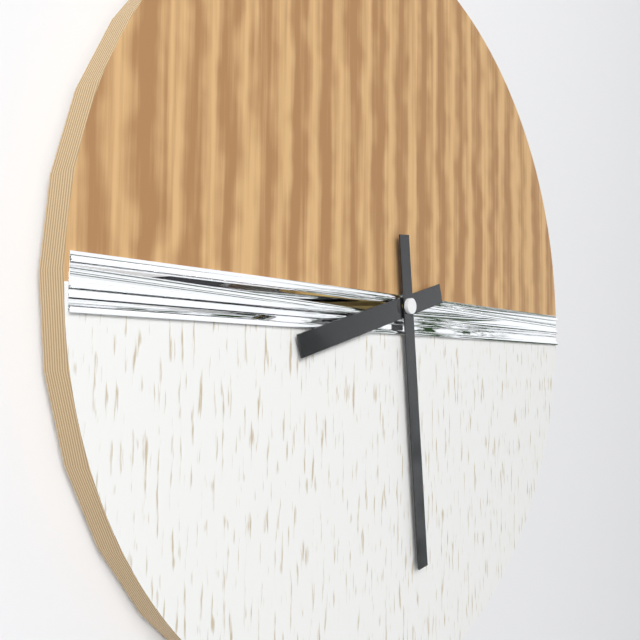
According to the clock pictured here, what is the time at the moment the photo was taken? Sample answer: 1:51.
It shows 8:29
